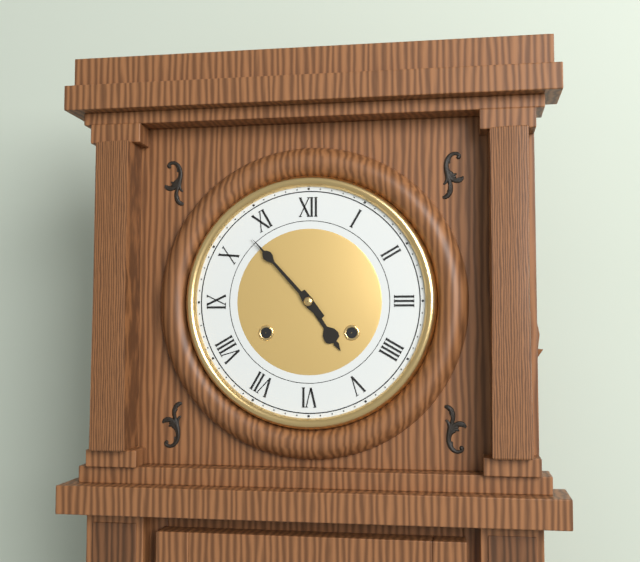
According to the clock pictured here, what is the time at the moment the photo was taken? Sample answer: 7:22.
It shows 4:53
